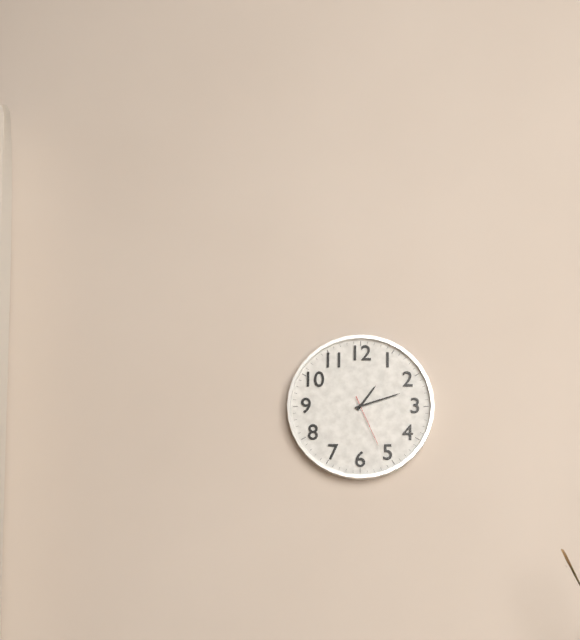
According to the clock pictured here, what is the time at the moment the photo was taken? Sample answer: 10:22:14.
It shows 1:12:26
